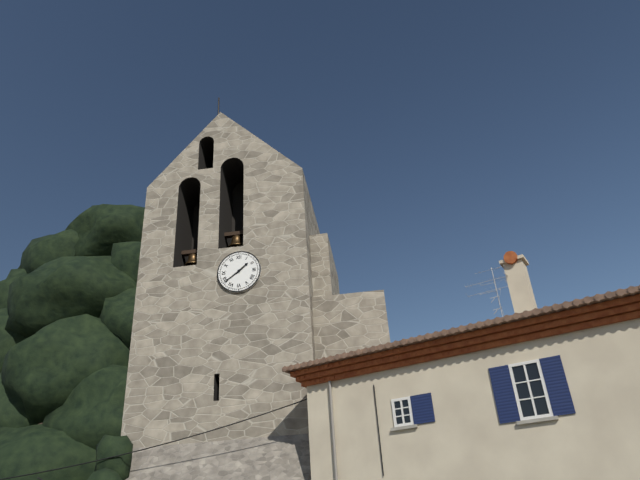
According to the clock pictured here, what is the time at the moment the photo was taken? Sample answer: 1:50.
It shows 1:39
